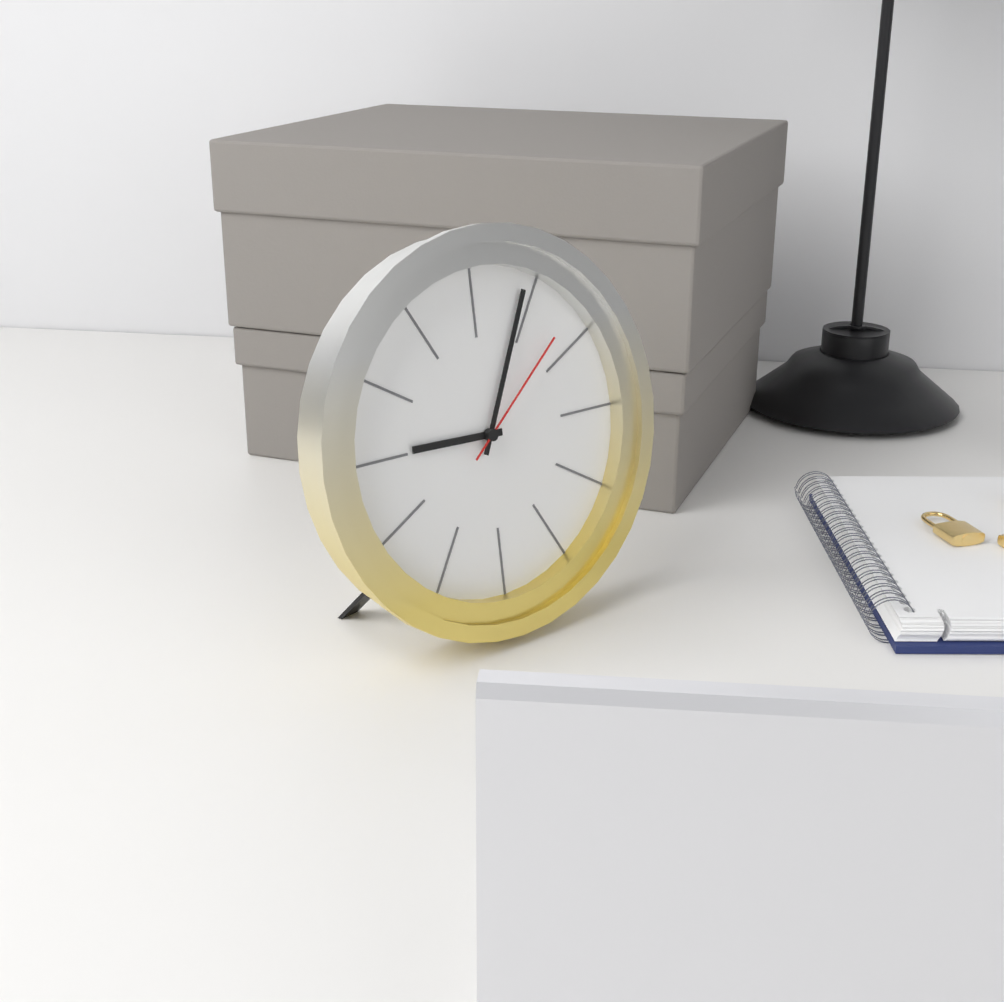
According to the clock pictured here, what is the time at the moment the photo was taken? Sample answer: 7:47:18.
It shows 9:04:08
